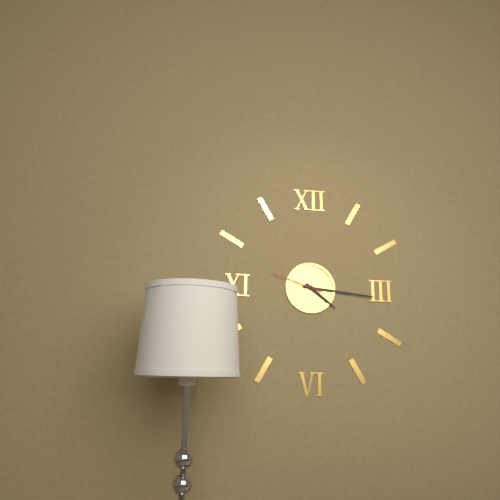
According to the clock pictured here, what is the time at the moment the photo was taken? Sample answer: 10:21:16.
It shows 4:16:48
